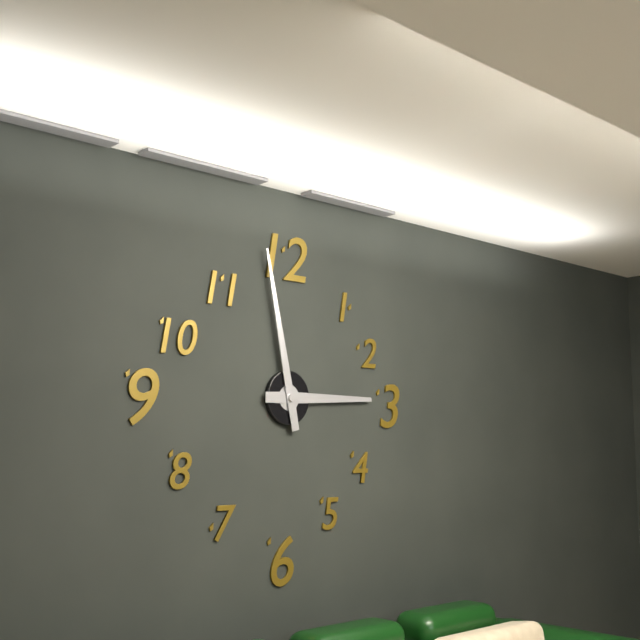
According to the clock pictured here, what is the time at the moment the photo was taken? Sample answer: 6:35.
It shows 2:58
